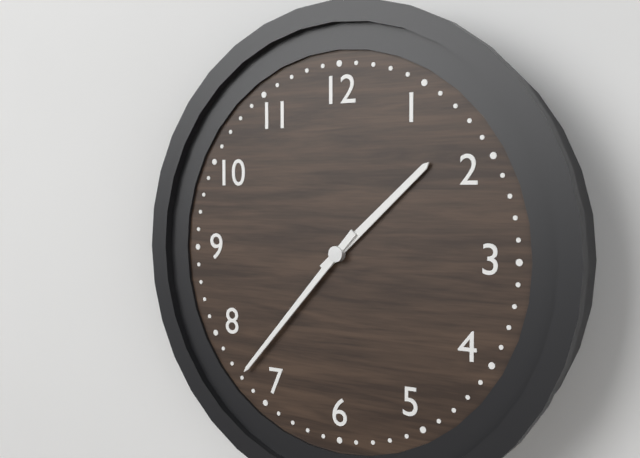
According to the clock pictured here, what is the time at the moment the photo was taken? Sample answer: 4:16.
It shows 1:37
